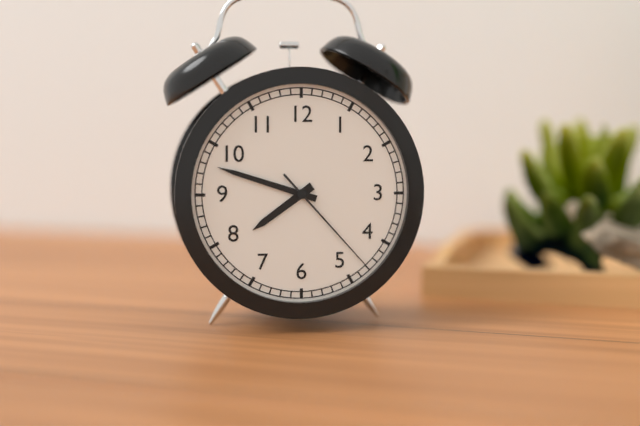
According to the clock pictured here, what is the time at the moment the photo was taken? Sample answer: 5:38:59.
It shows 7:48:23
